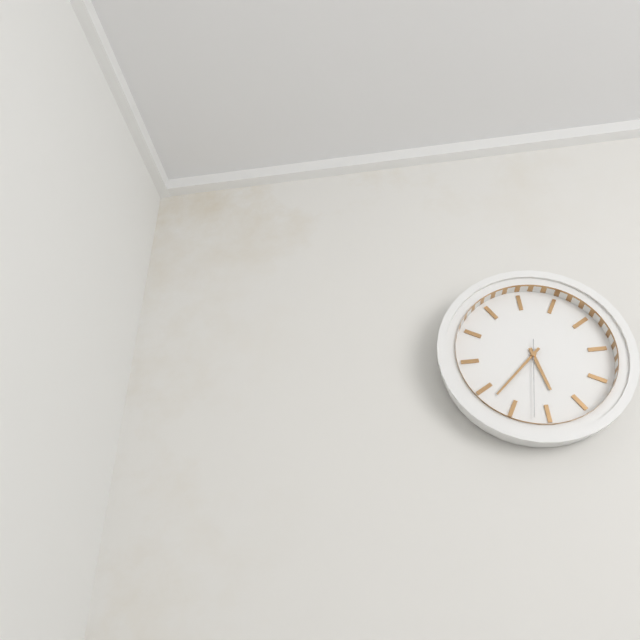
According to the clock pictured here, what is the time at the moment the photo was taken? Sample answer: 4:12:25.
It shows 5:38:32
